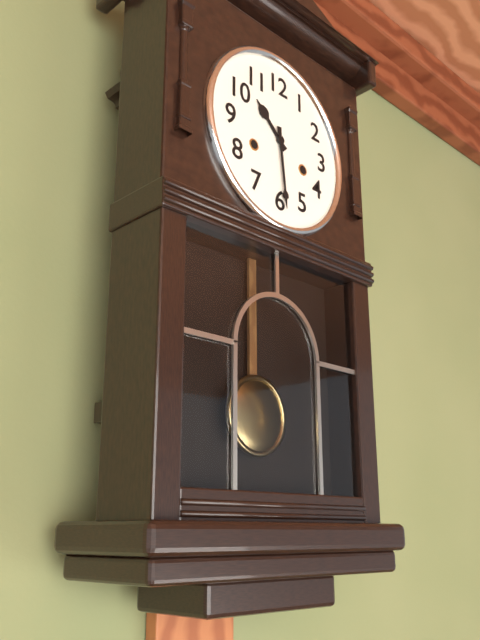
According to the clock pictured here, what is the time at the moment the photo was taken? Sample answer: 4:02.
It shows 10:29
